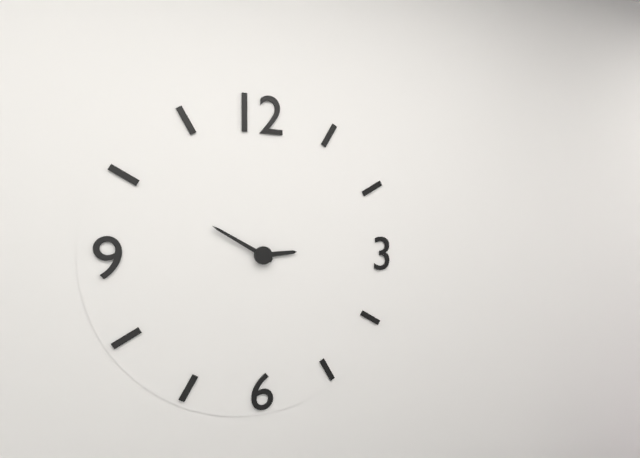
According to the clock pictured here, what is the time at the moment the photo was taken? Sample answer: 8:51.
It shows 2:50
